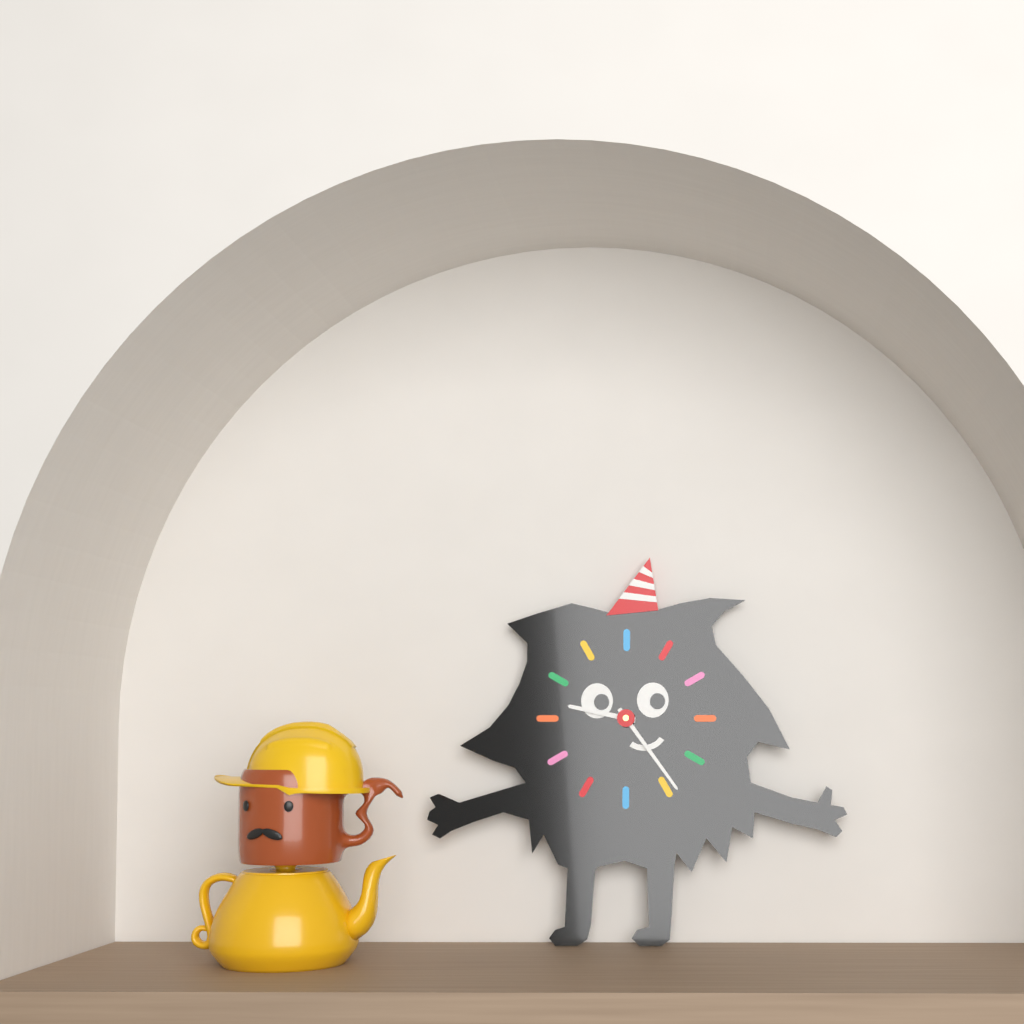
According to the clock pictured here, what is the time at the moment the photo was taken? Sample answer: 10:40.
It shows 9:24
